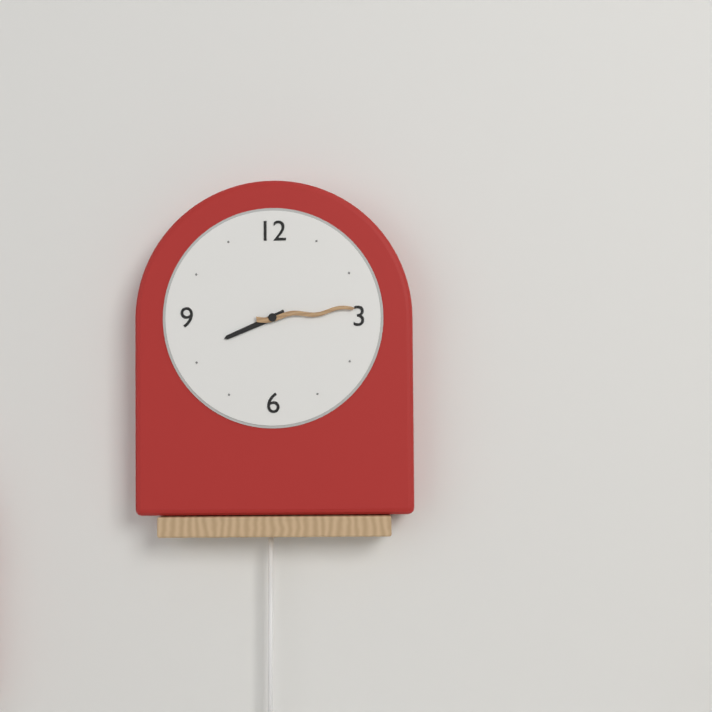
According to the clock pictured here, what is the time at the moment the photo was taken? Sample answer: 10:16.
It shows 8:14
